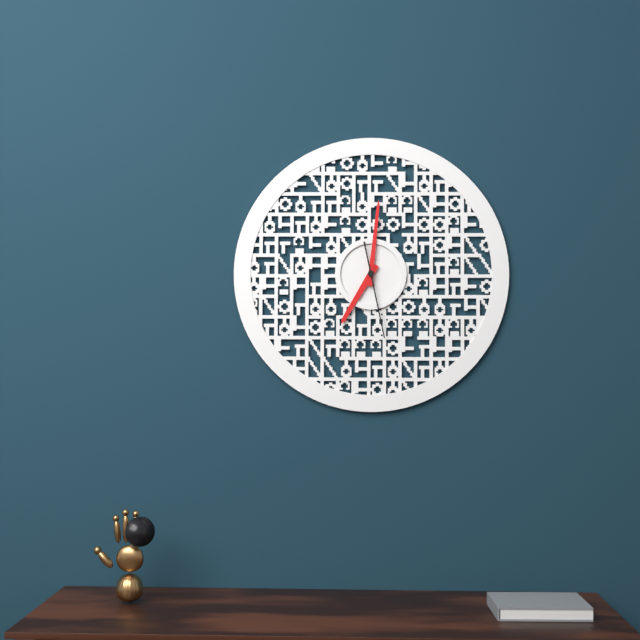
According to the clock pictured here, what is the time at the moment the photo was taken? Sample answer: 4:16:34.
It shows 7:01:28
